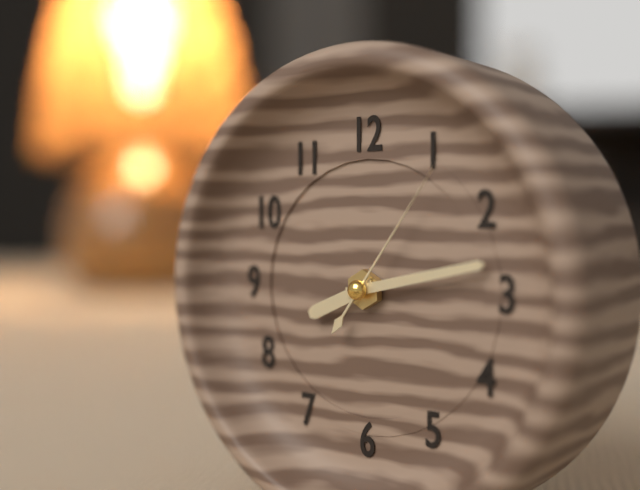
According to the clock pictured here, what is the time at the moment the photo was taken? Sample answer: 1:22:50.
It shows 8:13:06
